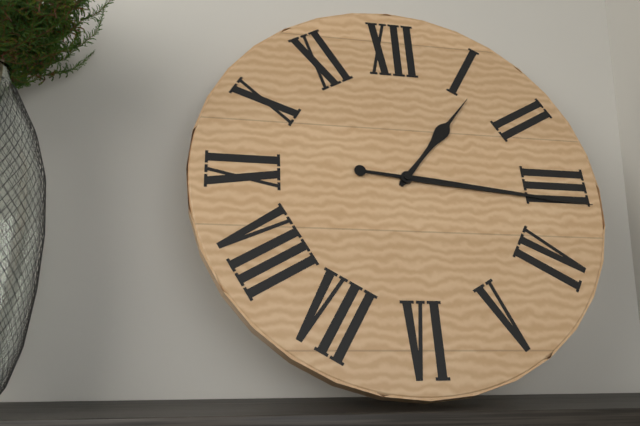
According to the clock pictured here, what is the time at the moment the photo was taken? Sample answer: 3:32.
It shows 1:16
